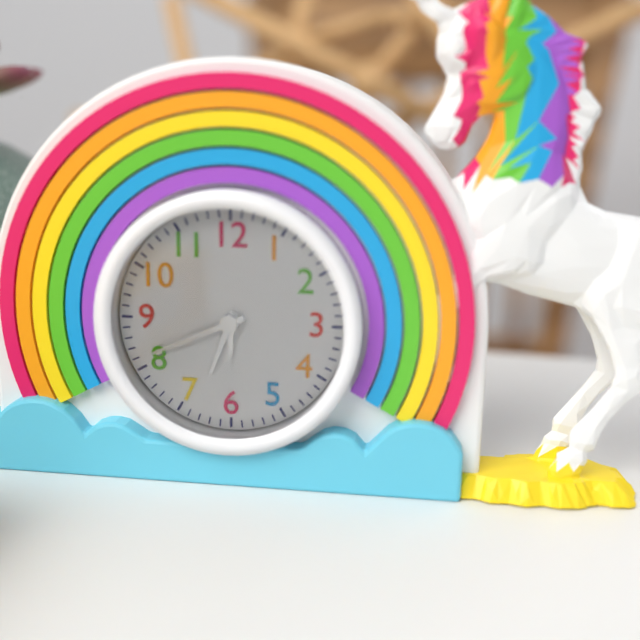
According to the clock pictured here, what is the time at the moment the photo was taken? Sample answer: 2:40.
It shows 6:41
